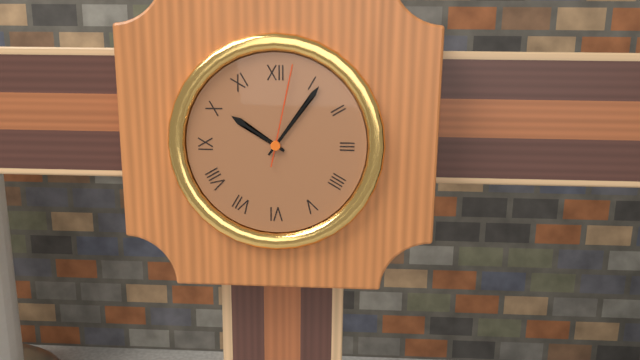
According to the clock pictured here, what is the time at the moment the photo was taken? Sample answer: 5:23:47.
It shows 10:06:02
